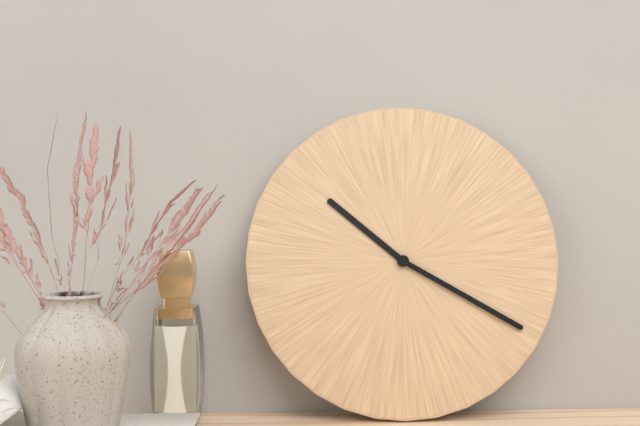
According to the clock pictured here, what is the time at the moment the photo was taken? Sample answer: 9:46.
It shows 10:20
